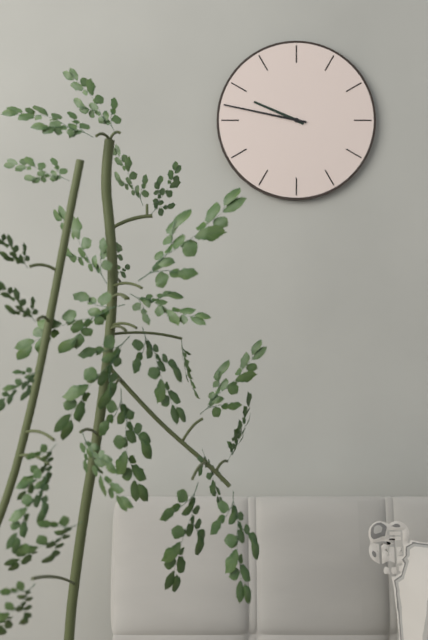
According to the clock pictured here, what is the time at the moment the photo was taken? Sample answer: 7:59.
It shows 9:47
